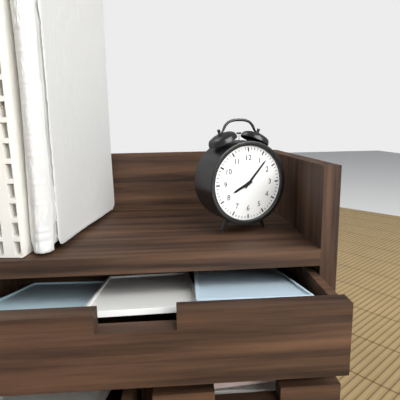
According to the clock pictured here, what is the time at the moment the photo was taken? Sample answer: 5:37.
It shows 8:07
